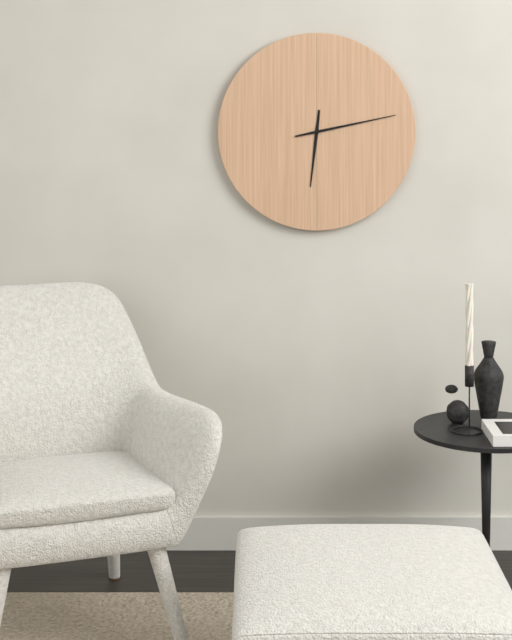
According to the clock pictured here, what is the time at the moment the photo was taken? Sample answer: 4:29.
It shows 6:13
